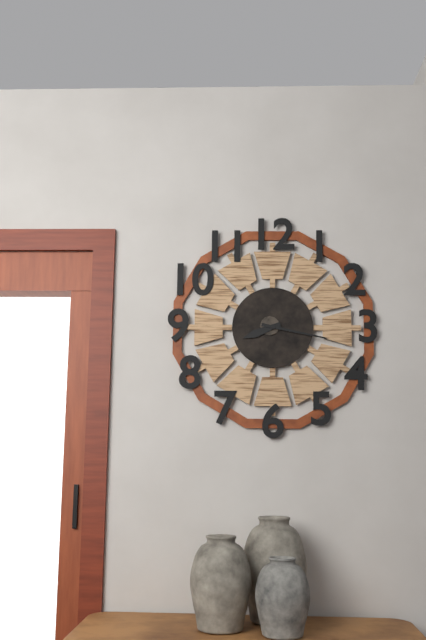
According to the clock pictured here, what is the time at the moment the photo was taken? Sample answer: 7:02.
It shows 8:17
